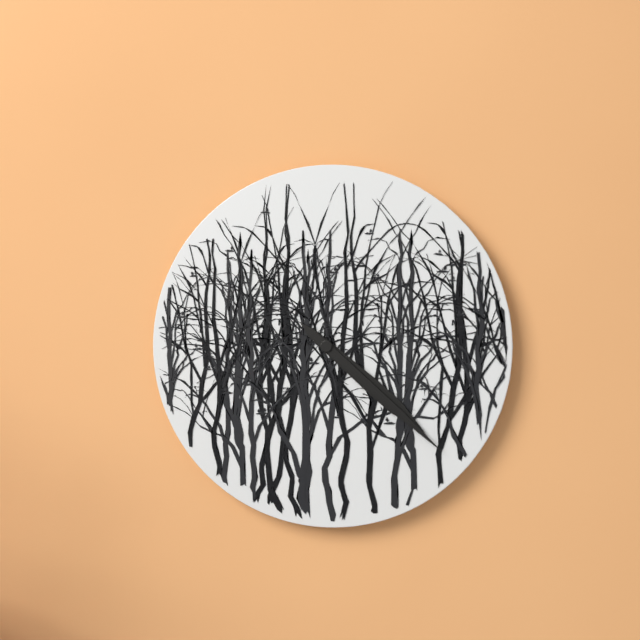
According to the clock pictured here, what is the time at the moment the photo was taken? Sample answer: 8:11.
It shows 4:22
